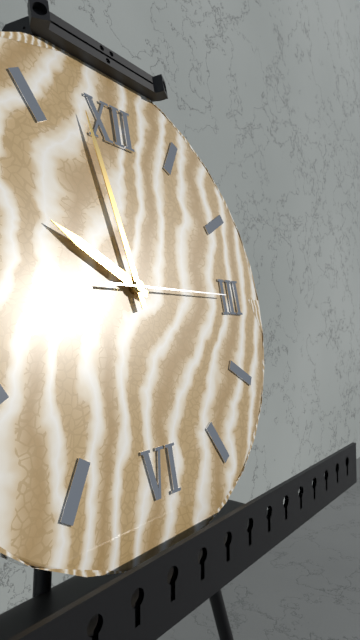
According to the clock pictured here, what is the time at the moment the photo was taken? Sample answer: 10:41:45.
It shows 9:58:15
